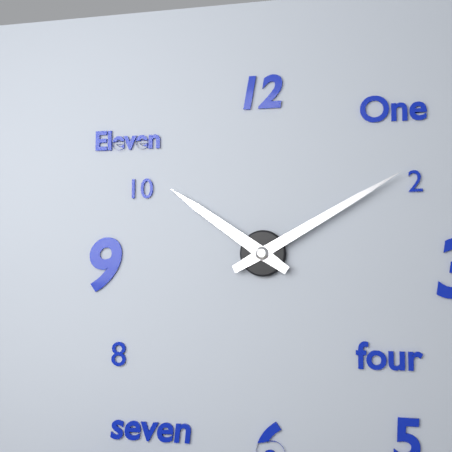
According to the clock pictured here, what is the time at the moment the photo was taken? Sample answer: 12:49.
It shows 10:10
